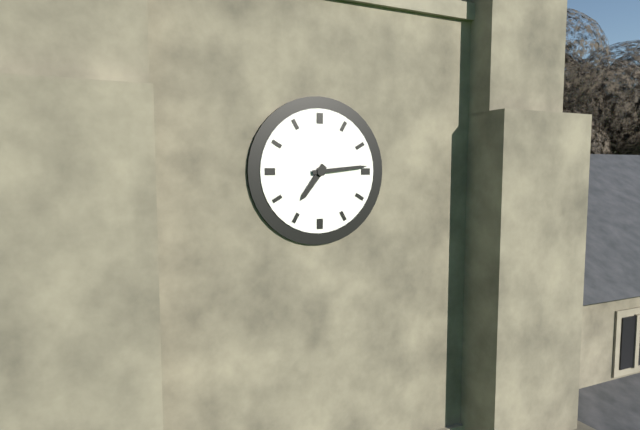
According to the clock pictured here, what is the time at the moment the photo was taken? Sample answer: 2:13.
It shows 7:14
